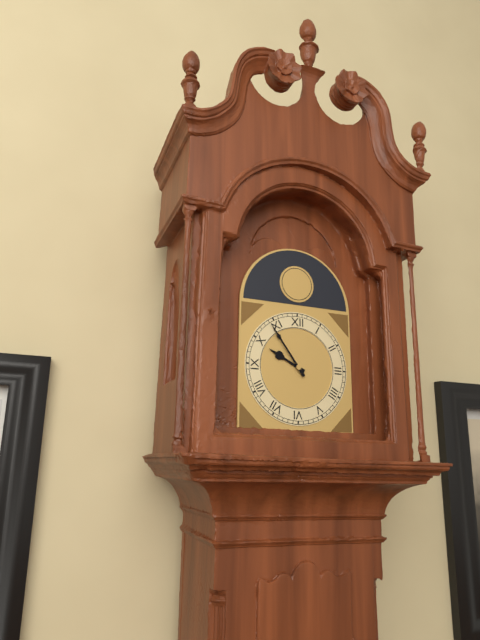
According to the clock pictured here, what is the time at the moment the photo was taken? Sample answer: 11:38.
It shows 9:54
